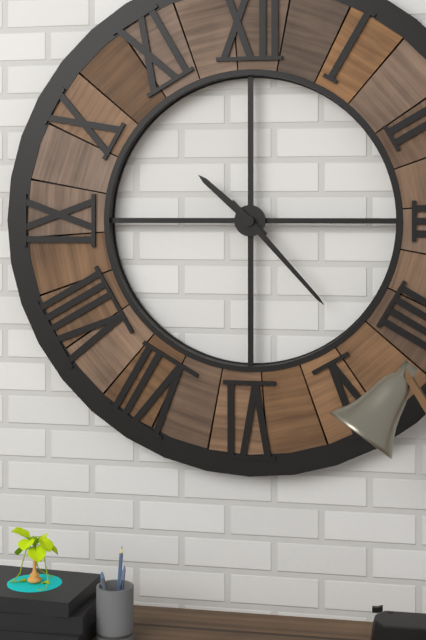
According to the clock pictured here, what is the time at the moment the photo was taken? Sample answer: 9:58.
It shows 10:23
